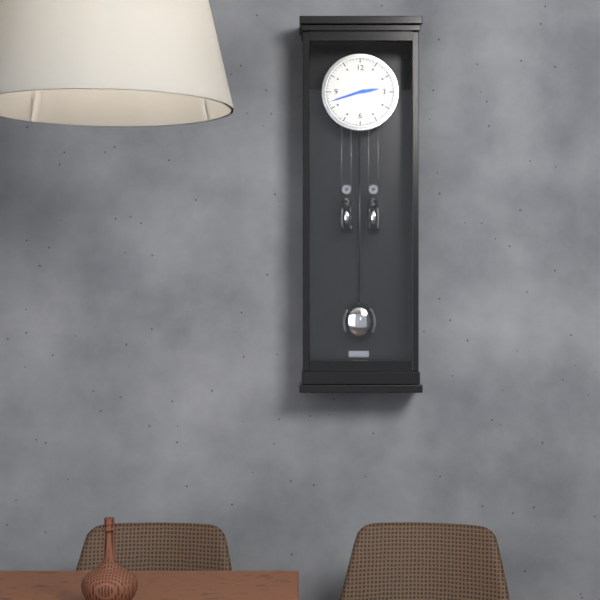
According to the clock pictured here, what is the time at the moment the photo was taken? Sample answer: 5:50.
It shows 2:42
